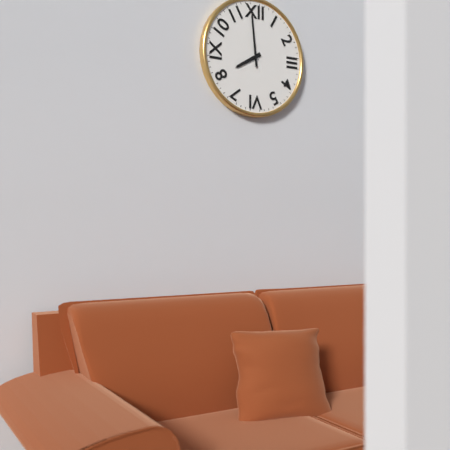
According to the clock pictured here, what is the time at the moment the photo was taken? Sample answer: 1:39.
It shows 7:59
